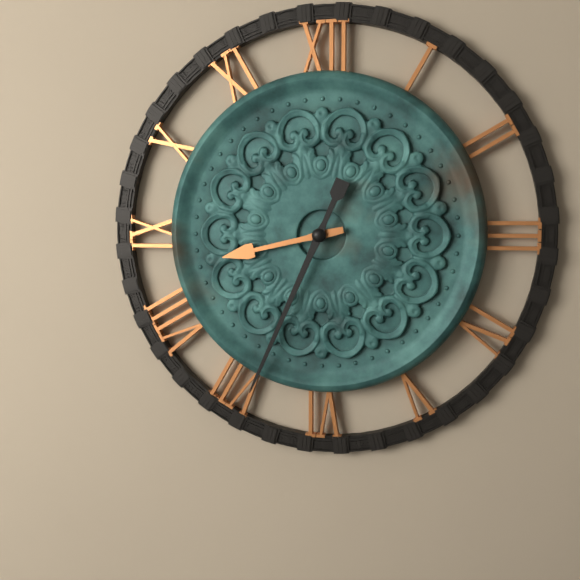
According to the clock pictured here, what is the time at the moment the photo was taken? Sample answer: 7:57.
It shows 8:34
